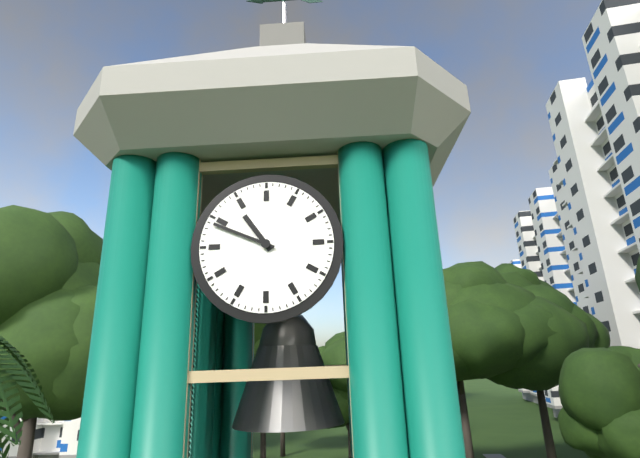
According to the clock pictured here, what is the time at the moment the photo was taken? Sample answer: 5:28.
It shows 10:49
